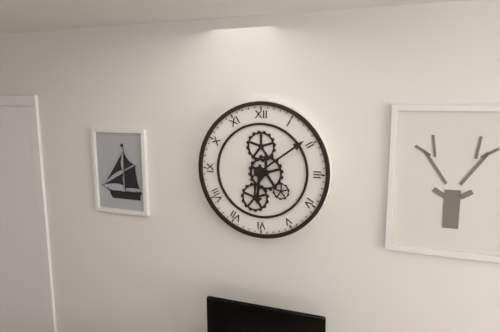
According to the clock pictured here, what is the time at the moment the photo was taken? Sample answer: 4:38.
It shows 6:09
